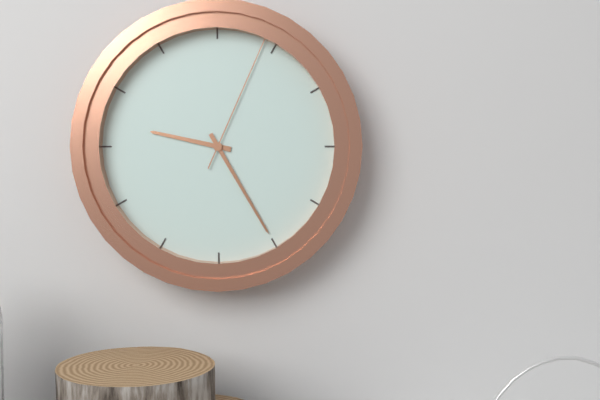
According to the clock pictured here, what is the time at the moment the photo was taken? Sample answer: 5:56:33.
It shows 9:25:04
